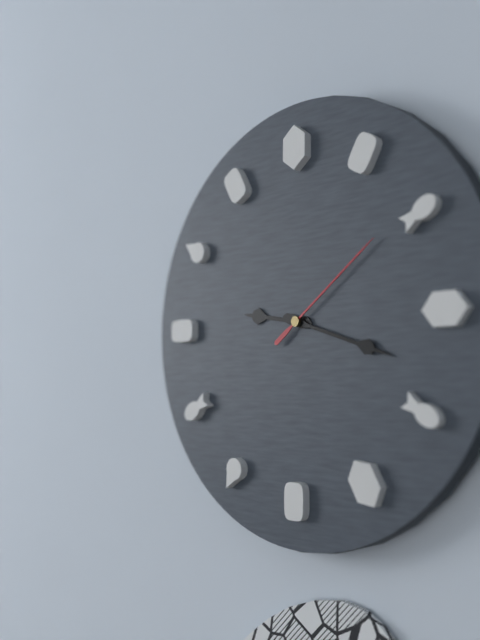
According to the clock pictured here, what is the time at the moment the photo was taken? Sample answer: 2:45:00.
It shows 9:18:09
